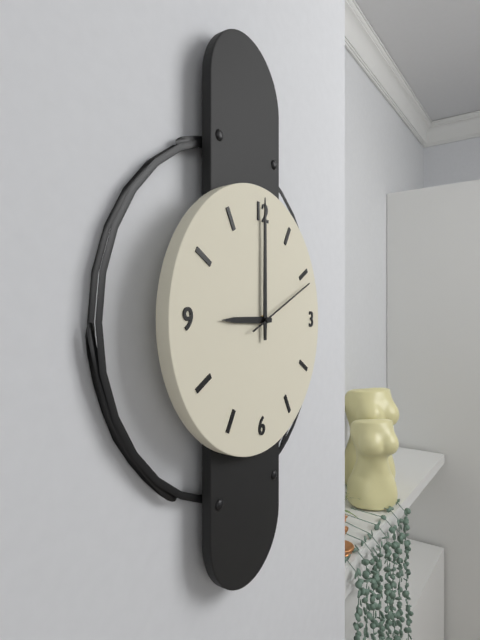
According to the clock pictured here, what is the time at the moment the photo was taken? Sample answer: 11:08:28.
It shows 9:00:11
